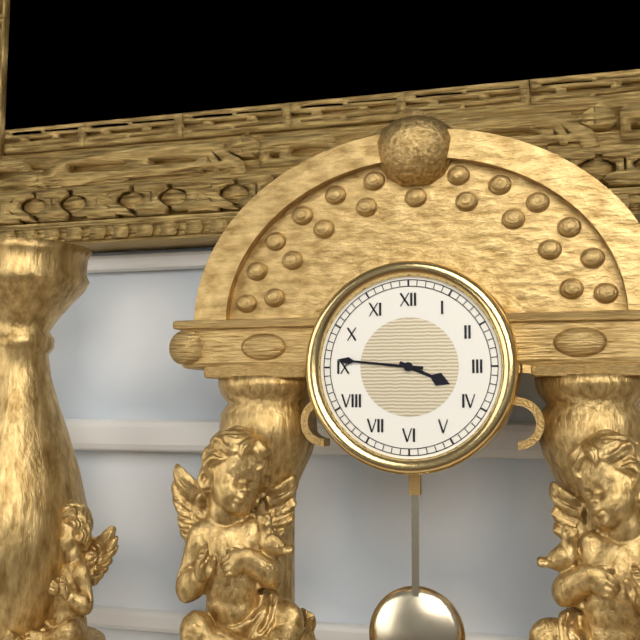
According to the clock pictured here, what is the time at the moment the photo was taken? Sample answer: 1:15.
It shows 3:46
